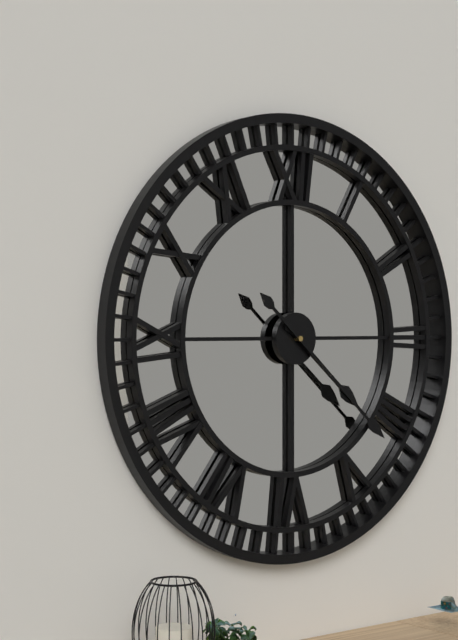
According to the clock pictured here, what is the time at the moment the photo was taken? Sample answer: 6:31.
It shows 4:22
